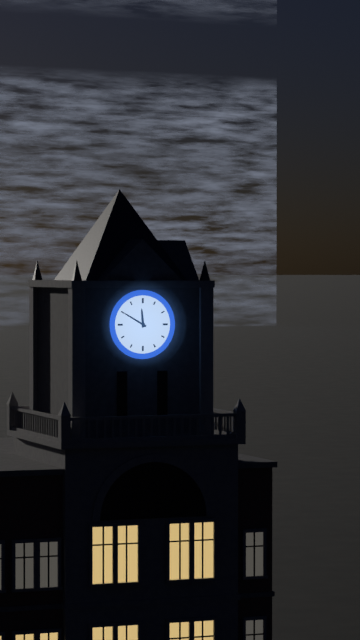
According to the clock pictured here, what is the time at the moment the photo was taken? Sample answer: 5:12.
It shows 11:50
